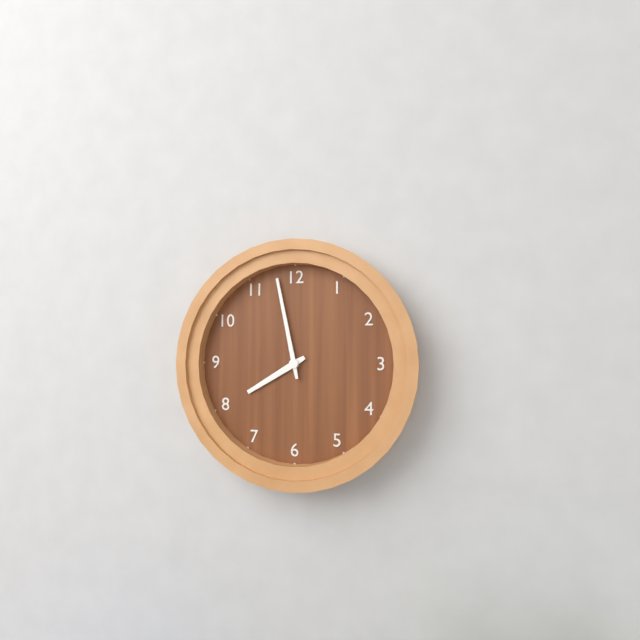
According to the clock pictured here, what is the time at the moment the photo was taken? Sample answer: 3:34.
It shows 7:58
